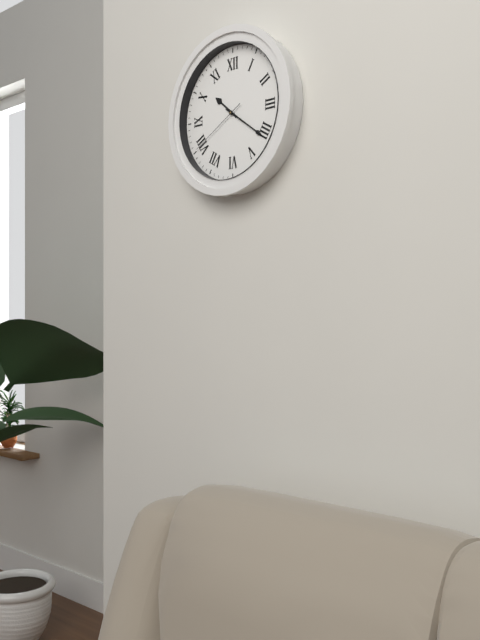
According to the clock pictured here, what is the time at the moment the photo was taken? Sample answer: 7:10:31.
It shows 10:21:40
